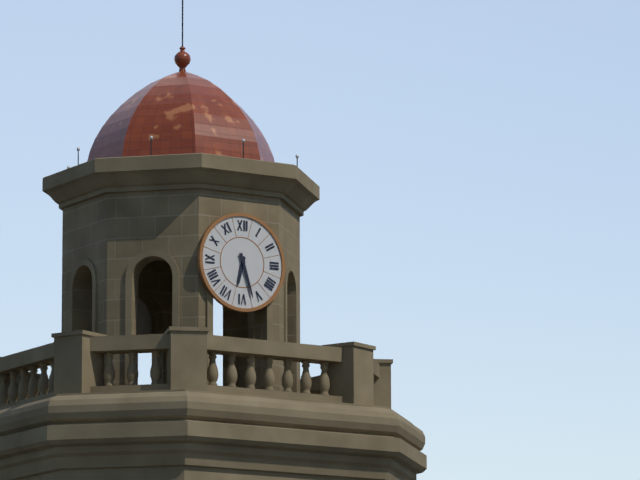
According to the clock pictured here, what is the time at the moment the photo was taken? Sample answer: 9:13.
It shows 6:27
